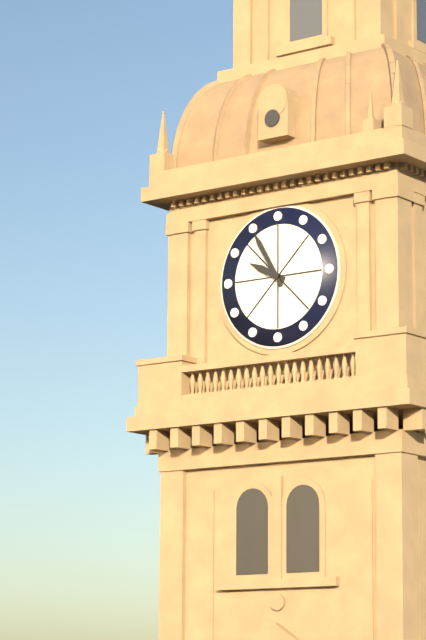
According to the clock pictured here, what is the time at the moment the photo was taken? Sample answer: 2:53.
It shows 9:55
